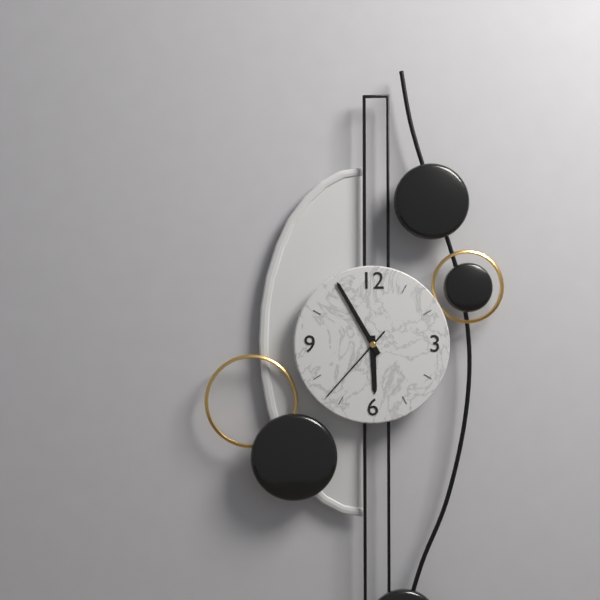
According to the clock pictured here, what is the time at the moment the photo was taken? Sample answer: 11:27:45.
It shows 5:55:37
